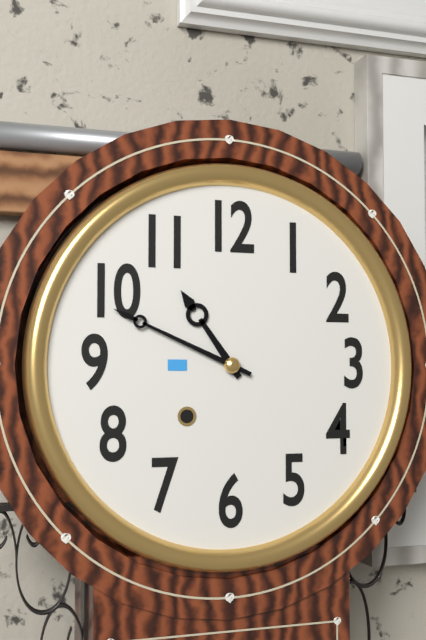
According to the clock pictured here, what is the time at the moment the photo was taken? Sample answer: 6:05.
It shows 10:49
